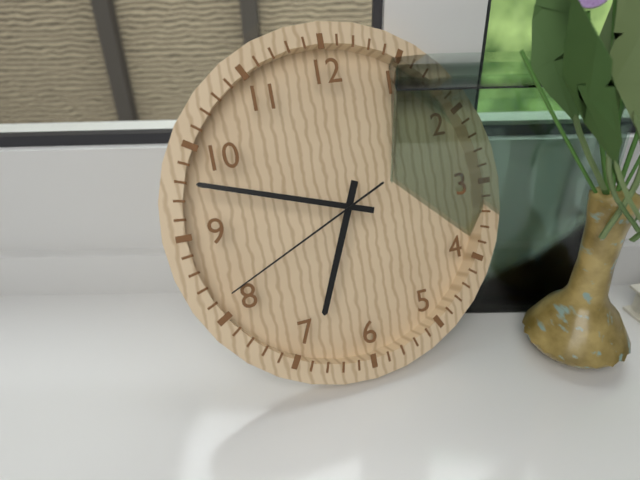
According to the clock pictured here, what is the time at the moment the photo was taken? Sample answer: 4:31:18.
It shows 6:48:41
